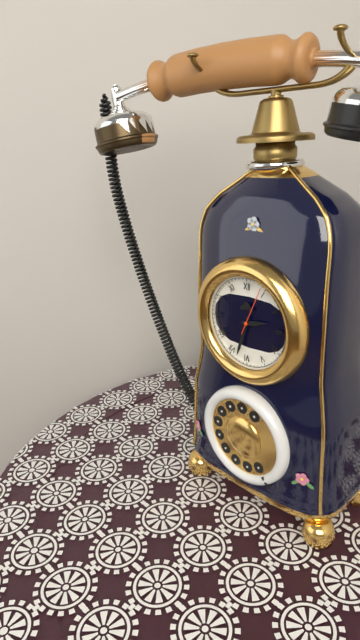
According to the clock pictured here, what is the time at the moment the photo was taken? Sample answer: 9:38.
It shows 2:33
